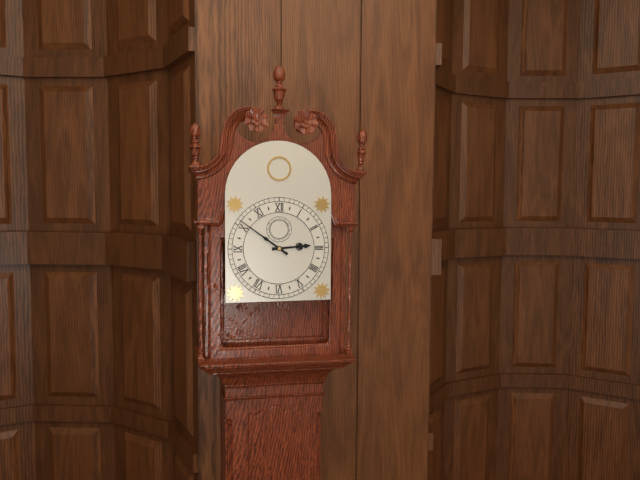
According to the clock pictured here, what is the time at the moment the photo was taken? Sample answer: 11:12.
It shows 2:51
